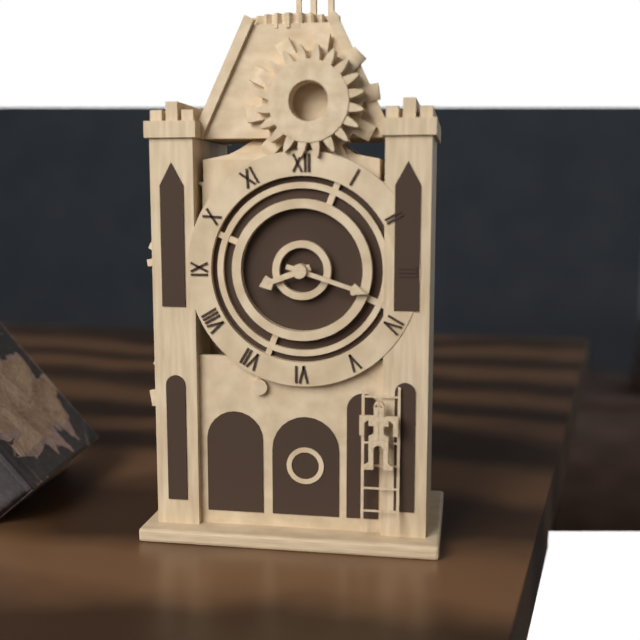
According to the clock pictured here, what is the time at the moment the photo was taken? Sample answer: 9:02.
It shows 8:18
